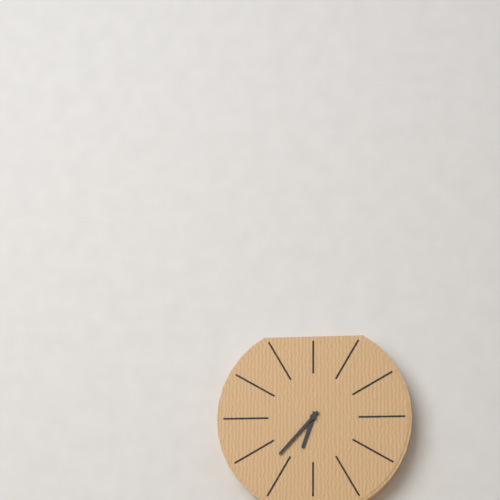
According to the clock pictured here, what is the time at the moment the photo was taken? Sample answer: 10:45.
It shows 6:37
